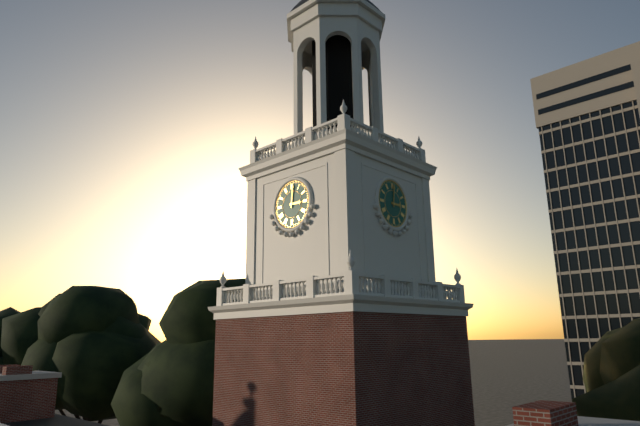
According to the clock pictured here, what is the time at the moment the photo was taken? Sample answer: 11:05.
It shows 3:01
